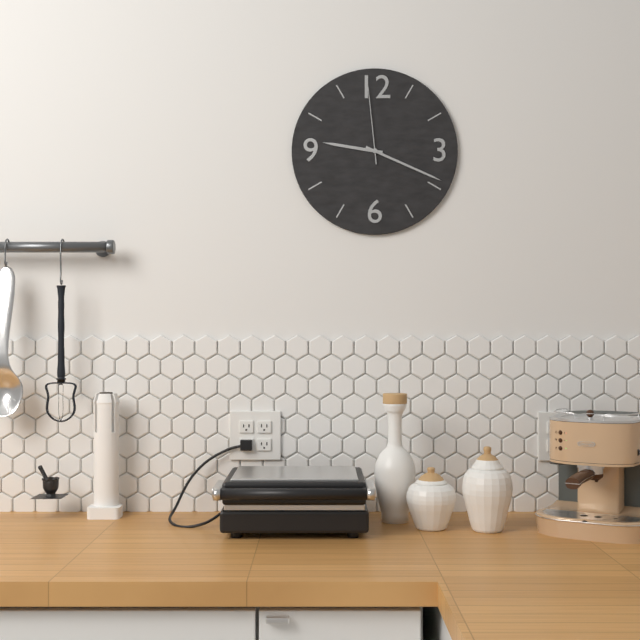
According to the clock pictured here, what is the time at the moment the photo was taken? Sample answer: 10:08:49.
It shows 9:19:59
